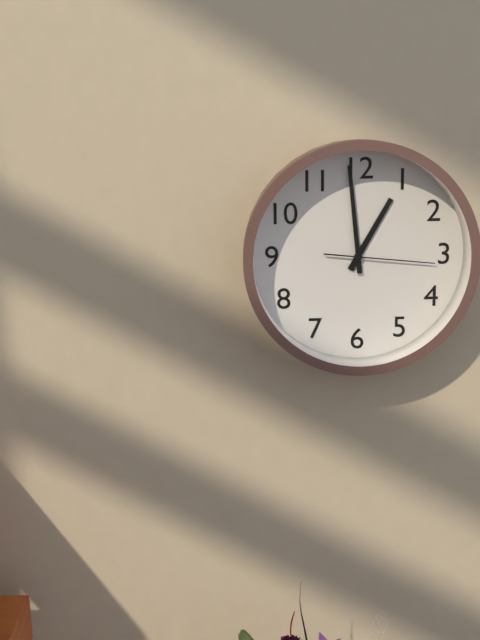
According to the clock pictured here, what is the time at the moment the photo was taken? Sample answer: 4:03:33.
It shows 12:59:16
